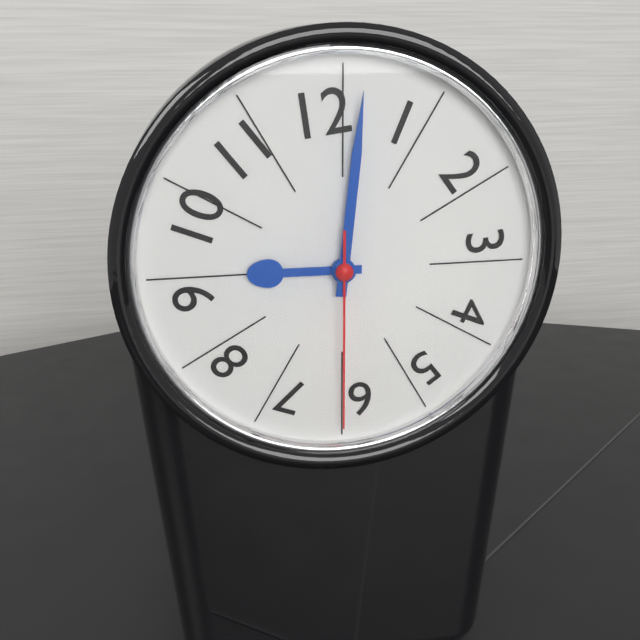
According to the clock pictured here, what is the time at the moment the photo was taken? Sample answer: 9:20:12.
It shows 9:01:30
